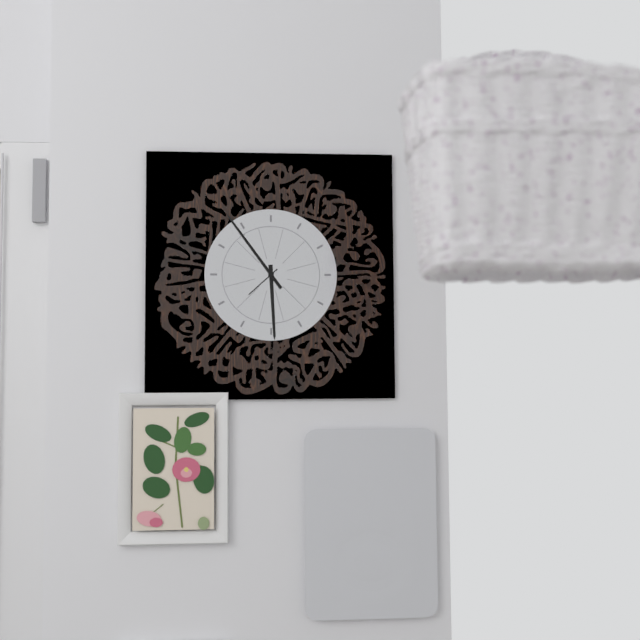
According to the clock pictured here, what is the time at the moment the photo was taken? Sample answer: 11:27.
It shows 5:54
